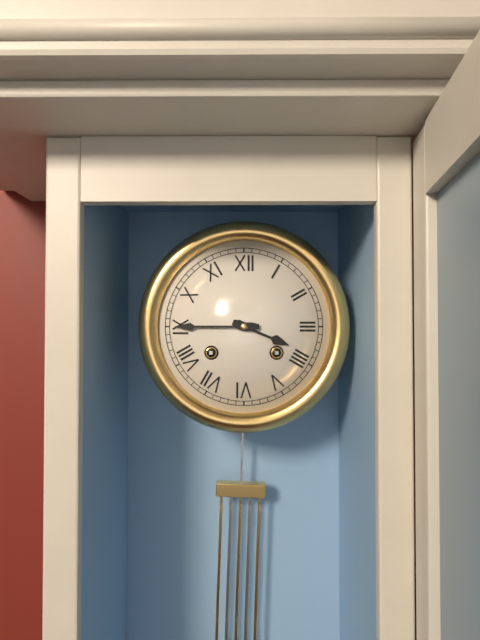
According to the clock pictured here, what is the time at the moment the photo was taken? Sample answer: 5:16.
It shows 3:45
